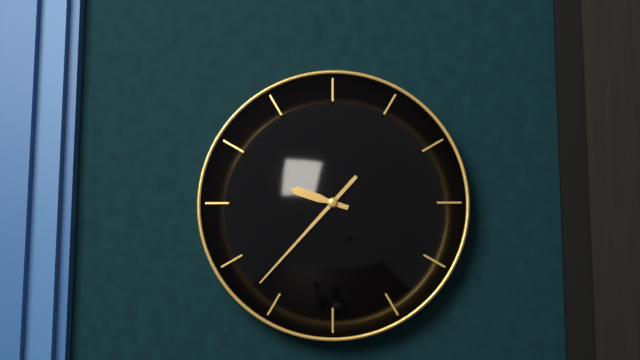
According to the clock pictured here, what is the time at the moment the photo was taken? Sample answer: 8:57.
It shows 9:37
